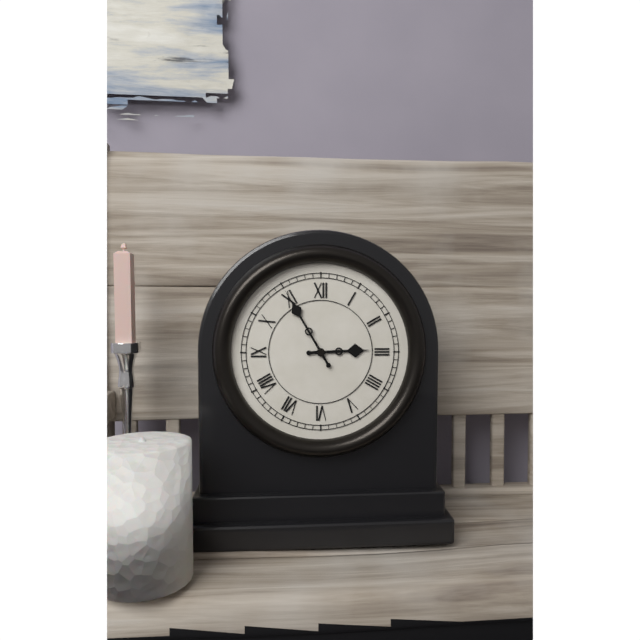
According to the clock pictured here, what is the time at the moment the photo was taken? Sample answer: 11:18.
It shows 2:55
